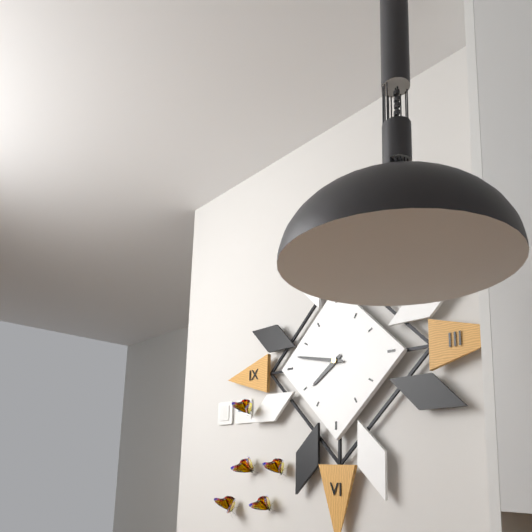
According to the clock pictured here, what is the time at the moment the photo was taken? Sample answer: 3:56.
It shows 7:47
